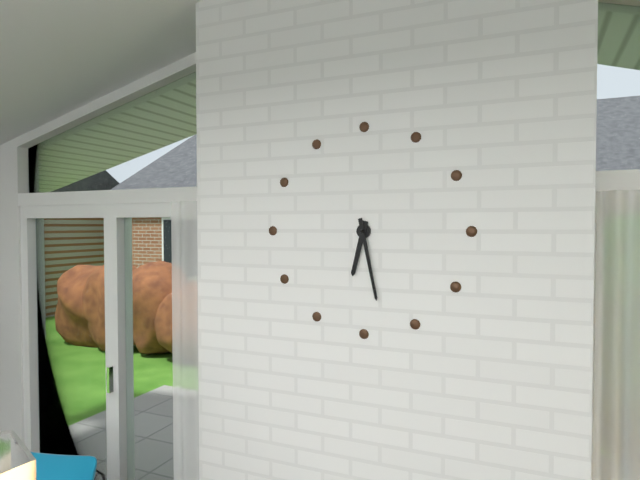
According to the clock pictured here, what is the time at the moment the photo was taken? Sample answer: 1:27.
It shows 6:28
